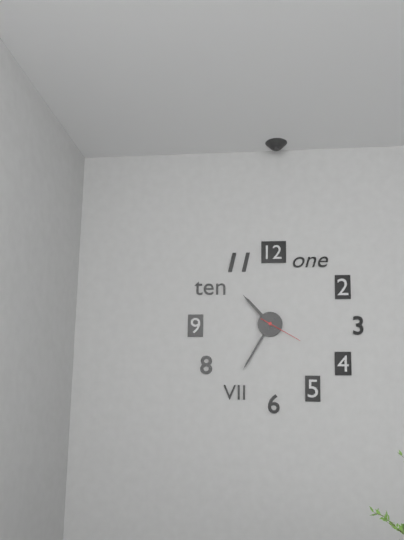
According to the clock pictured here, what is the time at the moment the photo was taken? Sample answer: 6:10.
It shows 10:35
